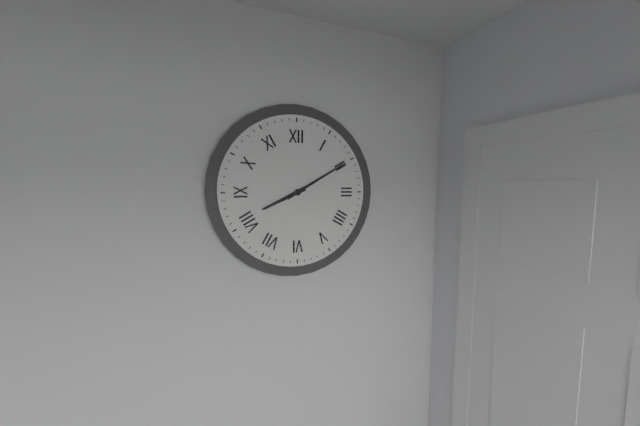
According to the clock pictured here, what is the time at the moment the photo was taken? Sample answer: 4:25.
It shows 8:10
